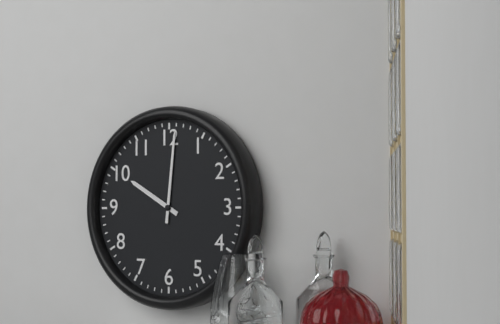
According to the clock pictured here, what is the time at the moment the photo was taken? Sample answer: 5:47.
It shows 10:01
